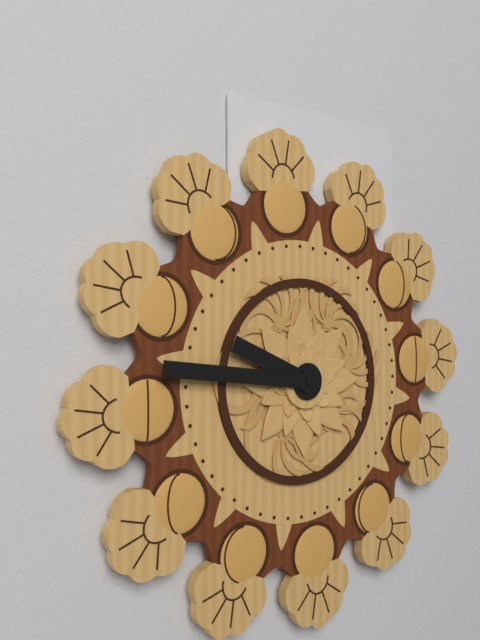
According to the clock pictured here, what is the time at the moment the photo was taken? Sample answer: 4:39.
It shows 9:46
